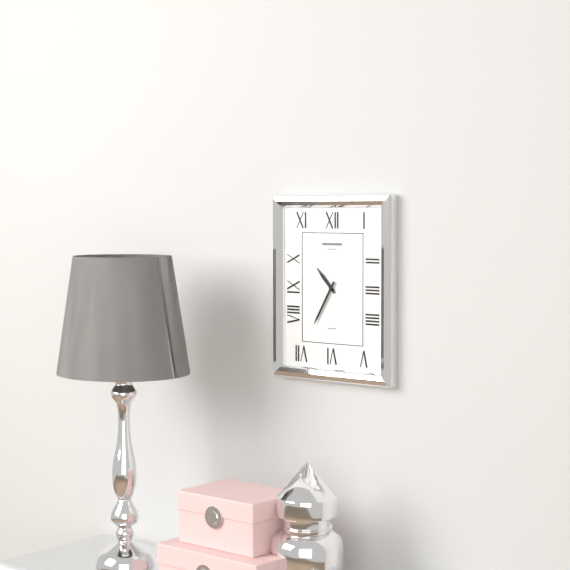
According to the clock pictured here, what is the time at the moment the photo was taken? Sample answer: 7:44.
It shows 10:35
